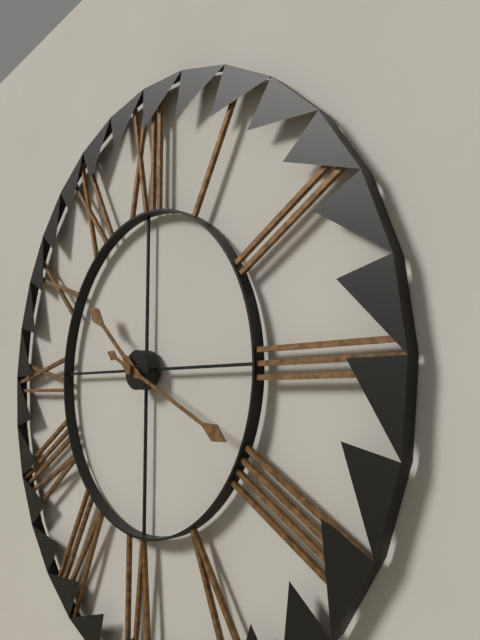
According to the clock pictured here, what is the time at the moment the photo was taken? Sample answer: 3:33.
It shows 10:19
